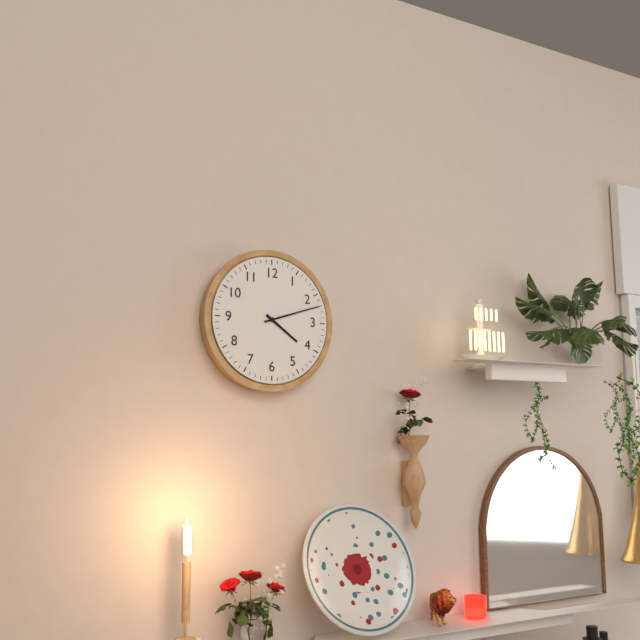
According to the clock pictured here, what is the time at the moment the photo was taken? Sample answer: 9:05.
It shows 4:12
